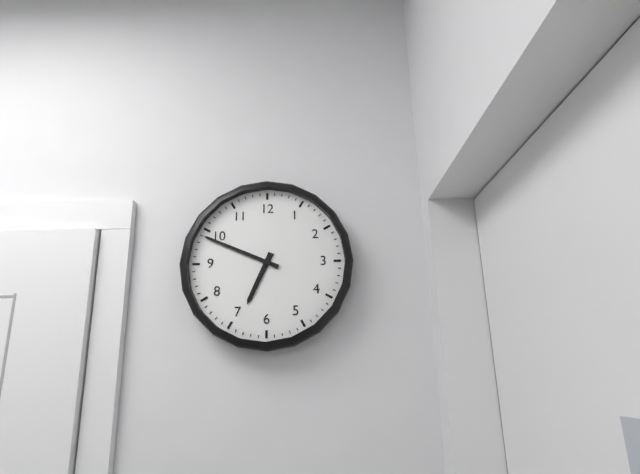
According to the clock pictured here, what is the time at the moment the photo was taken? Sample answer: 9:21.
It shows 6:49
